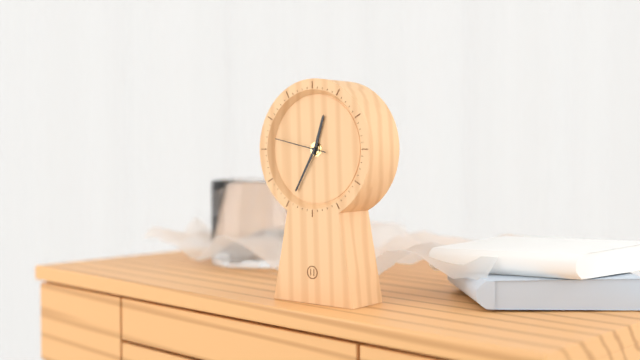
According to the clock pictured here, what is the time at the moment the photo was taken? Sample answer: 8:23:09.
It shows 12:35:47
